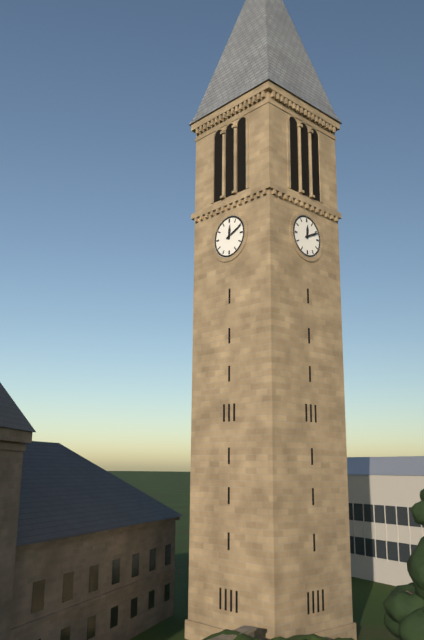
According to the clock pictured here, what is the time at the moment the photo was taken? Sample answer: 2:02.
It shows 12:11
